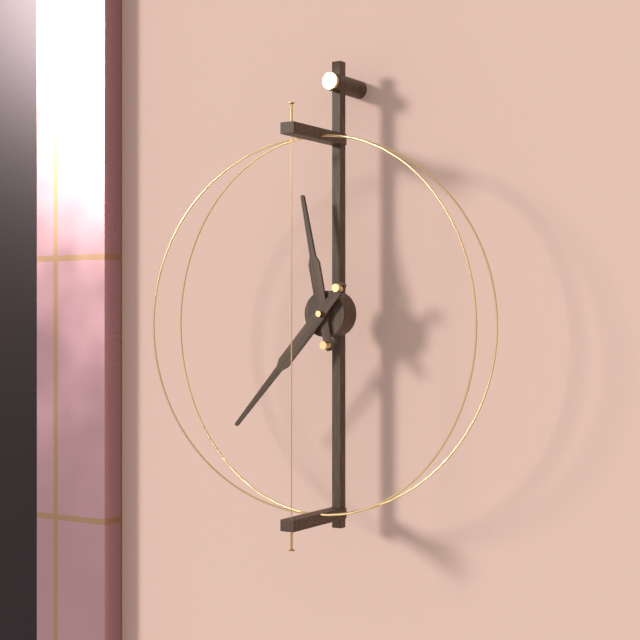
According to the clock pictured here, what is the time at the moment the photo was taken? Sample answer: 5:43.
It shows 11:37
